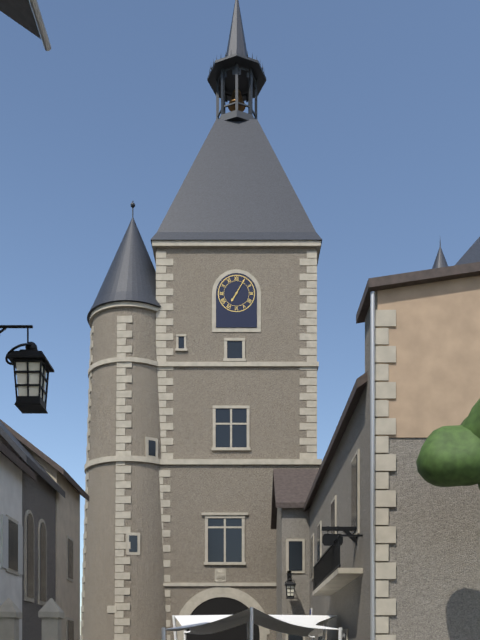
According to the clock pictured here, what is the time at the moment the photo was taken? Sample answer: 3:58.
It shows 7:05
